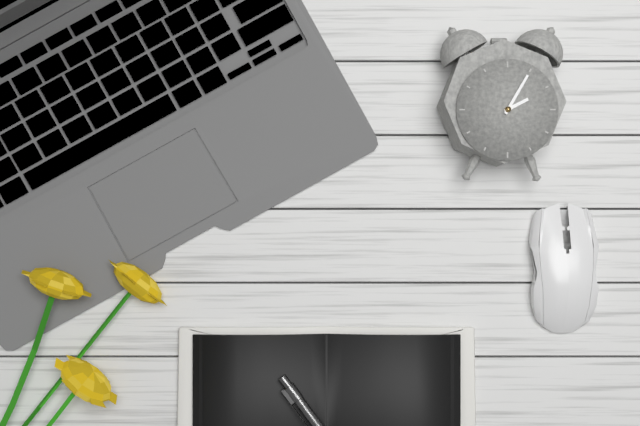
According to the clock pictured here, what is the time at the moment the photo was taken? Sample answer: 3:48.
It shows 2:05
